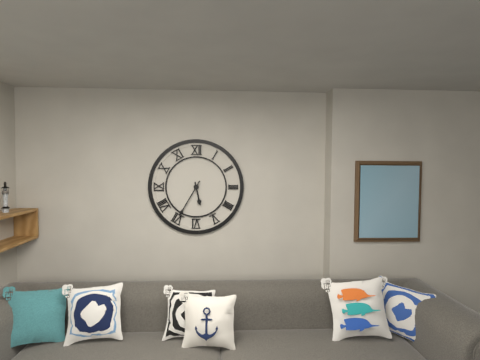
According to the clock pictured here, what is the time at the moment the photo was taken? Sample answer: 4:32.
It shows 5:35
